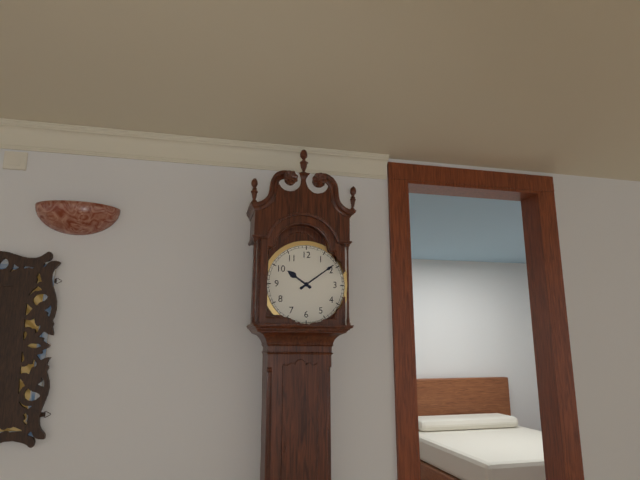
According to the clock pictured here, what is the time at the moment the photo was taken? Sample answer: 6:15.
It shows 10:09
